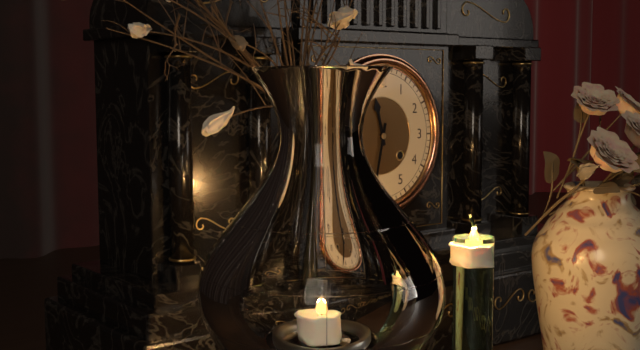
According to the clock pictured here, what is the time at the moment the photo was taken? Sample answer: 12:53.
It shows 11:32
